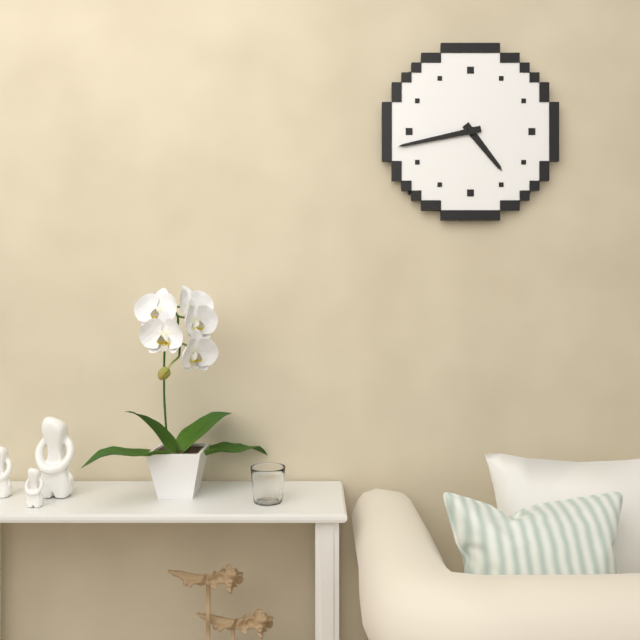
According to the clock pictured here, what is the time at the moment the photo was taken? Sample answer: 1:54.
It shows 4:43
